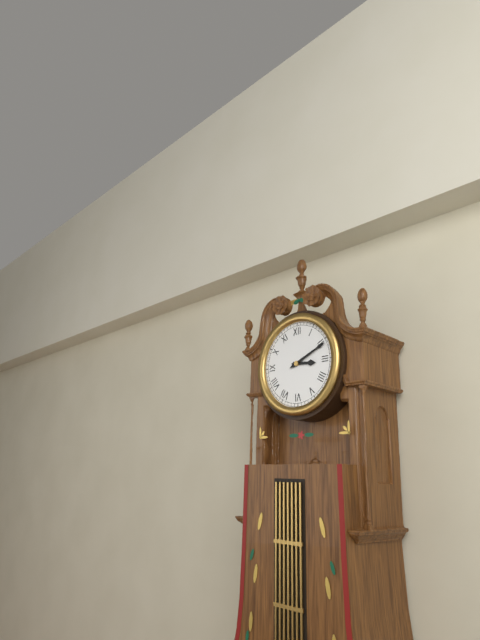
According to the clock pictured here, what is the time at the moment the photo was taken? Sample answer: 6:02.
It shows 3:11
